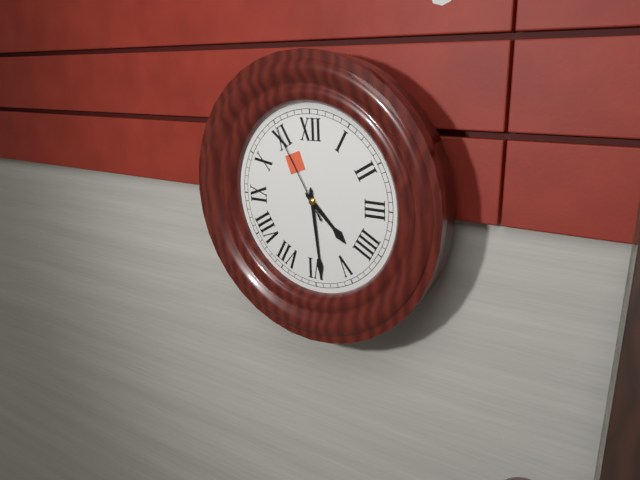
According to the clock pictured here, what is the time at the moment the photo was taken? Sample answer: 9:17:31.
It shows 4:29:55
